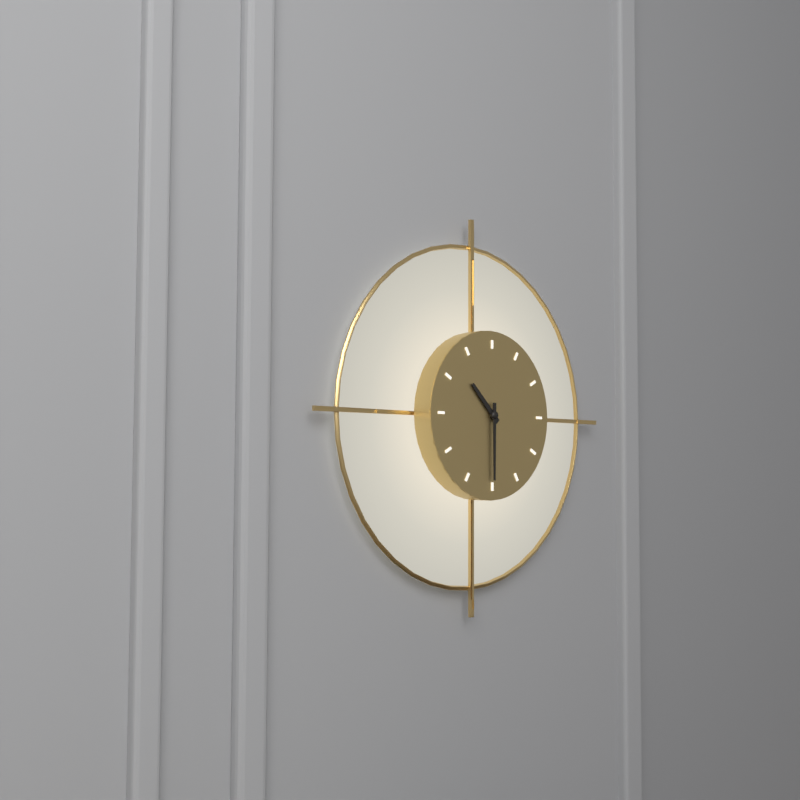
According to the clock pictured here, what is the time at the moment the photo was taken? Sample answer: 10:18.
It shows 10:30
